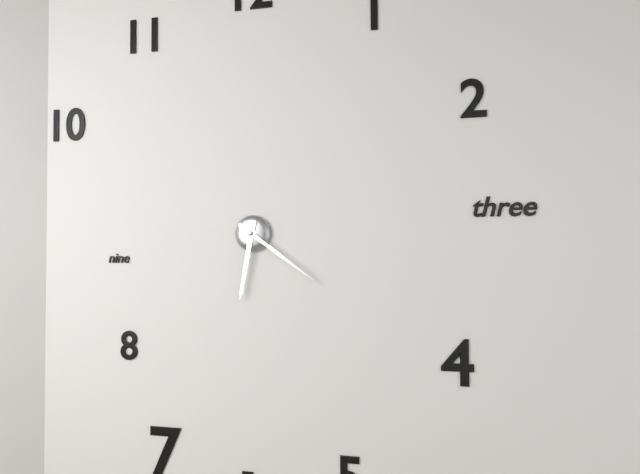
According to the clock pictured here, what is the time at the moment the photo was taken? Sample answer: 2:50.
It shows 6:21
